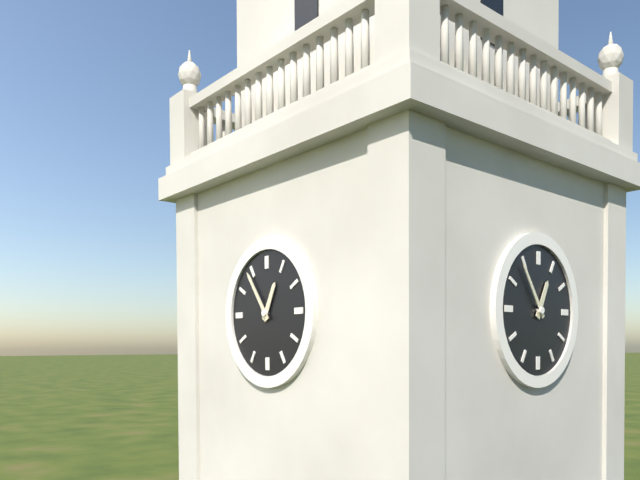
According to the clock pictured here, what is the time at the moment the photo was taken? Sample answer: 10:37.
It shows 12:54
